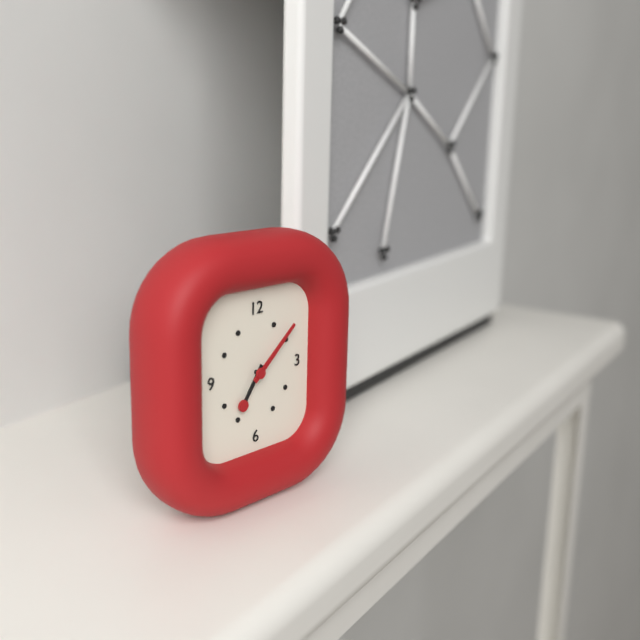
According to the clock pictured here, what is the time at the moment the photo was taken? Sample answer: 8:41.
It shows 7:08
